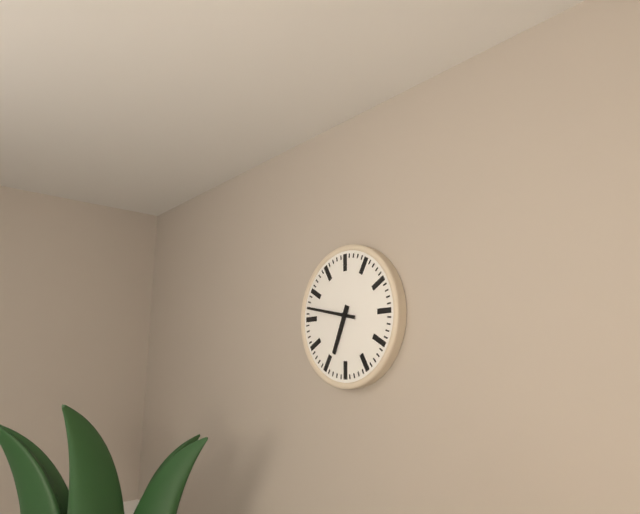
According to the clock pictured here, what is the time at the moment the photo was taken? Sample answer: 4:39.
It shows 6:47
